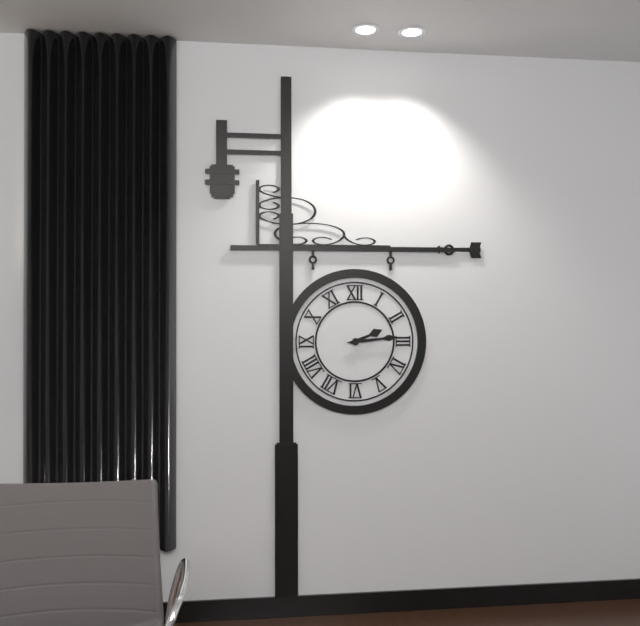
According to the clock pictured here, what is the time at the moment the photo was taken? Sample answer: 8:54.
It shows 2:14
